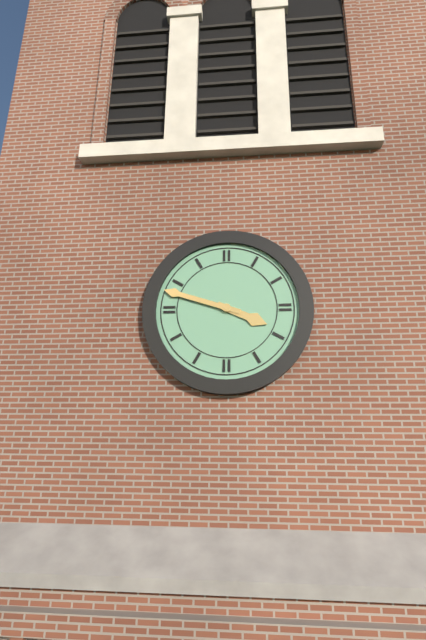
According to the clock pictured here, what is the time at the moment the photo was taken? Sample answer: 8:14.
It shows 3:48
